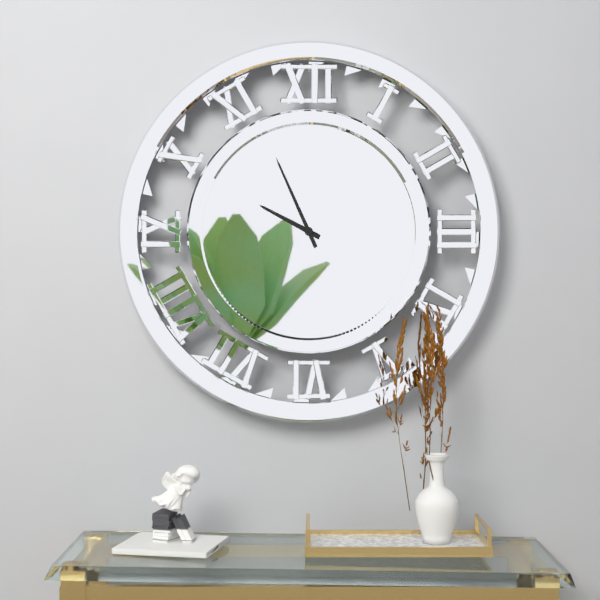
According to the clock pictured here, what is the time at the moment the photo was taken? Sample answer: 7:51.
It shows 9:56
